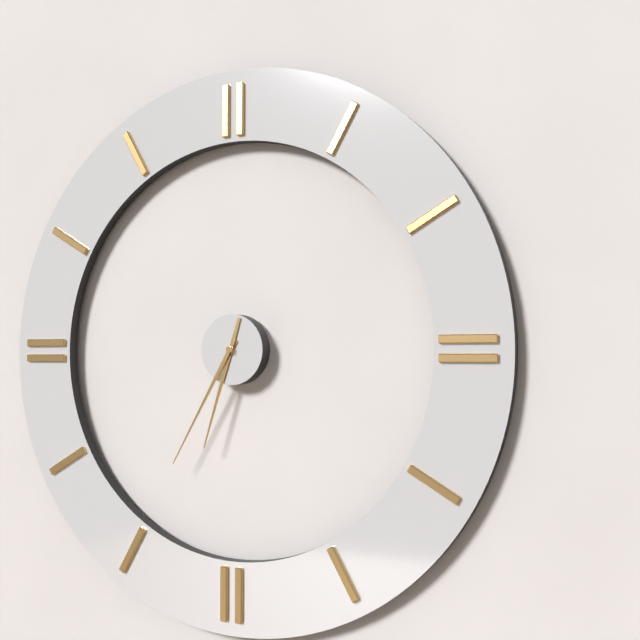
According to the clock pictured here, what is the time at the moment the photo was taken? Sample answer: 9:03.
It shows 6:35
